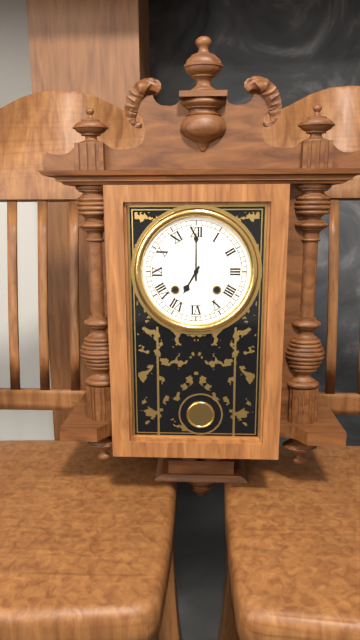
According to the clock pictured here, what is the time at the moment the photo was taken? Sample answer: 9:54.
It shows 7:00
